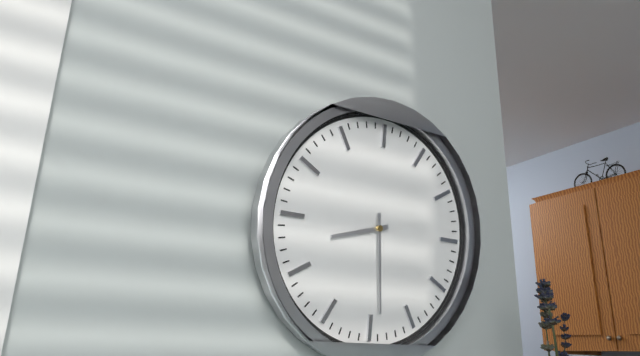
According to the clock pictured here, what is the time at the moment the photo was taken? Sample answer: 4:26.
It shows 8:29
